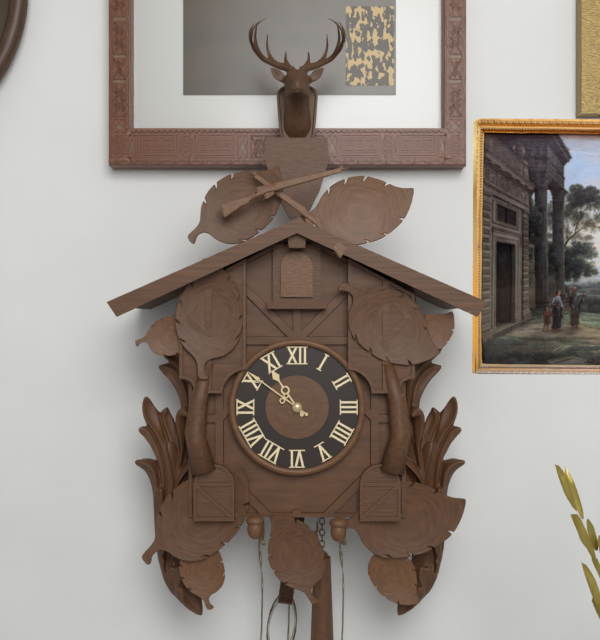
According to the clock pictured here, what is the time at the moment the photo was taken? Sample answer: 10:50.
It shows 10:51
